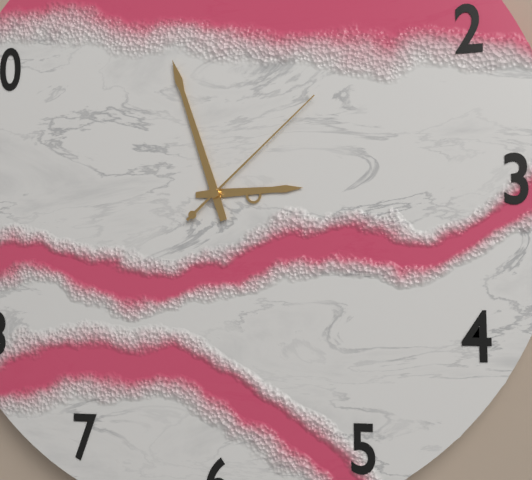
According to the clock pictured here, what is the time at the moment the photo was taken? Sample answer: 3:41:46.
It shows 2:57:08
